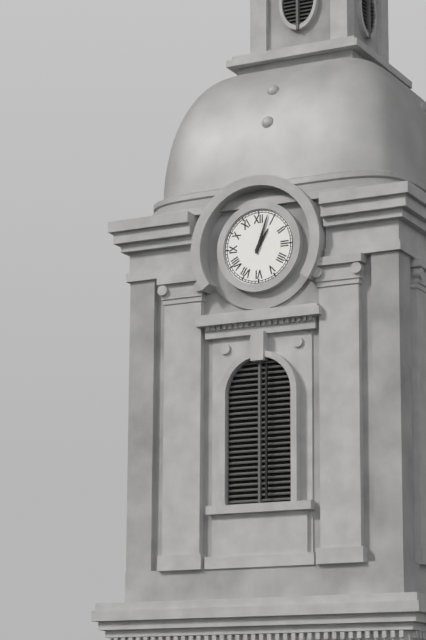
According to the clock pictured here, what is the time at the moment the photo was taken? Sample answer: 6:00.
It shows 1:03
